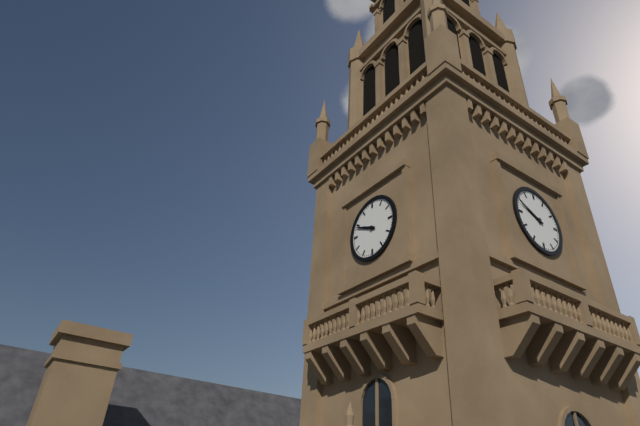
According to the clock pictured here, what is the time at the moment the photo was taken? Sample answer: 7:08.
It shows 9:49
